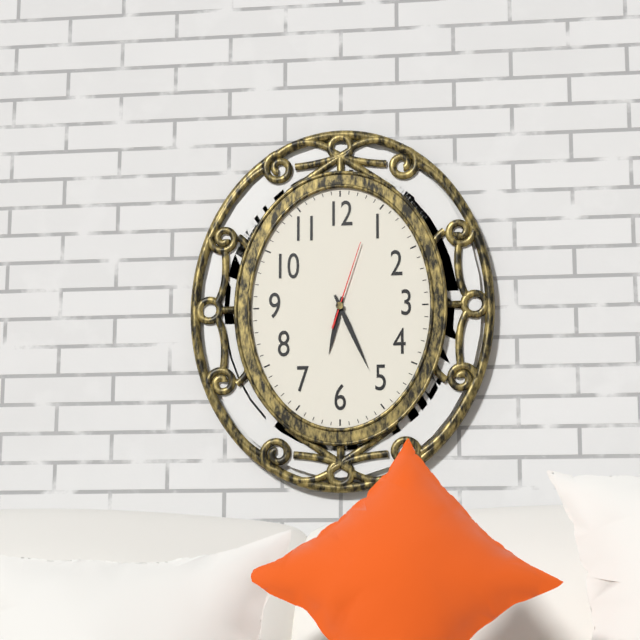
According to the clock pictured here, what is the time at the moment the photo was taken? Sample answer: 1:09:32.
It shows 6:26:03
